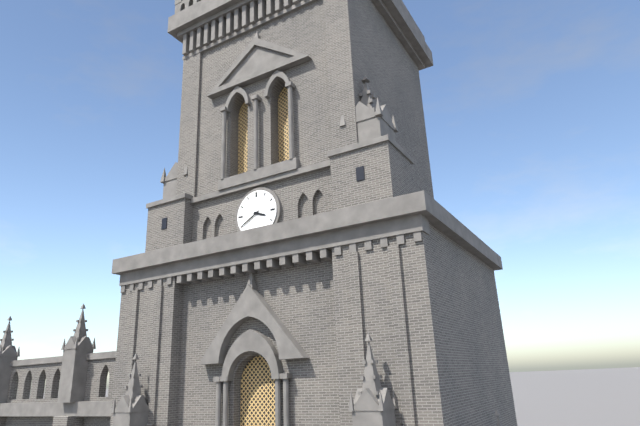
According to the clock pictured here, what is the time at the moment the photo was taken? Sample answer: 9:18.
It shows 3:40
